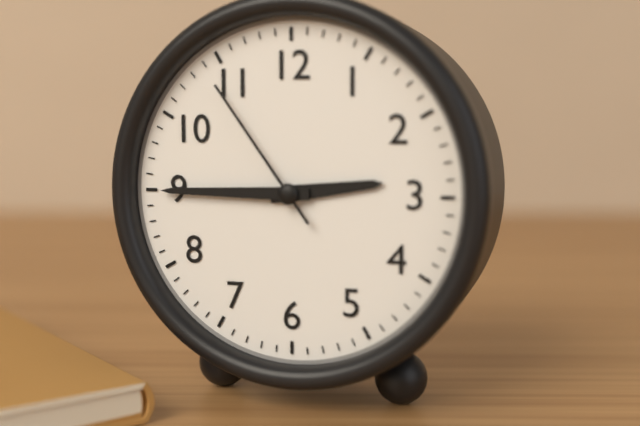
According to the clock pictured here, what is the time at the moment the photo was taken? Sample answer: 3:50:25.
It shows 2:45:54
